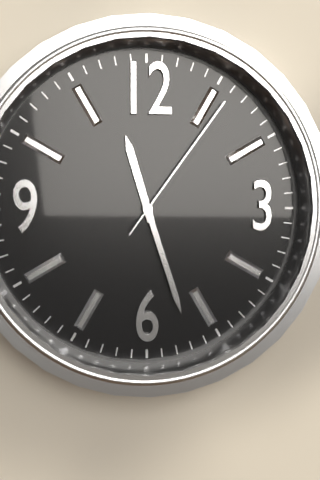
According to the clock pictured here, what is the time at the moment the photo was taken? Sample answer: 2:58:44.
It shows 11:27:06
